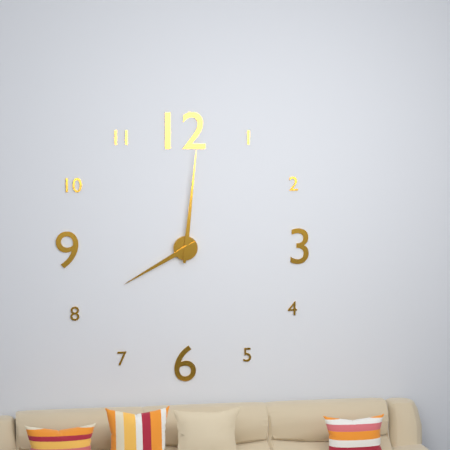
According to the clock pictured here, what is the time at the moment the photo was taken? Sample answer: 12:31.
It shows 8:01
